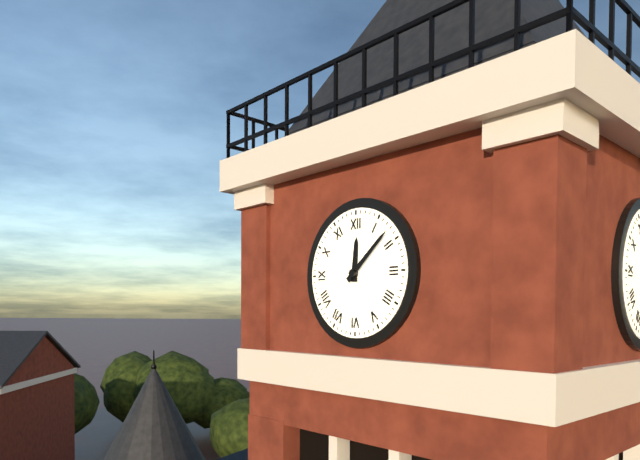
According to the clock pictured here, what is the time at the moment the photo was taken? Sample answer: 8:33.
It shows 12:08
